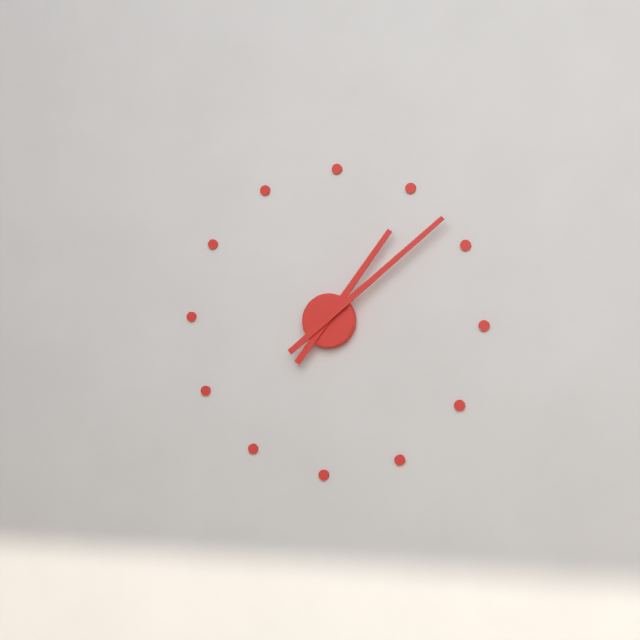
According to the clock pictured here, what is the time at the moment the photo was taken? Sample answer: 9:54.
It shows 1:08
